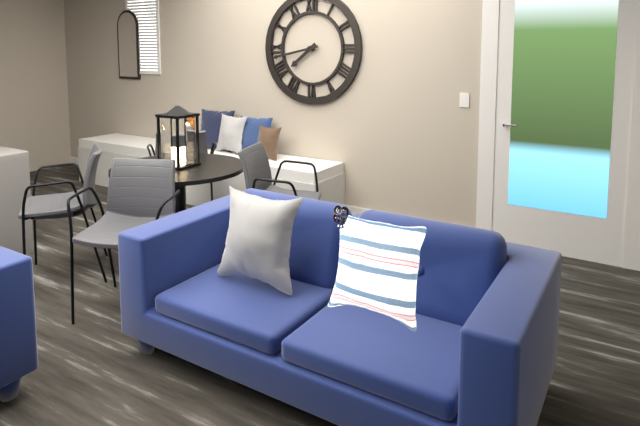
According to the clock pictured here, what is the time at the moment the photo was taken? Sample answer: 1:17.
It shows 7:43
